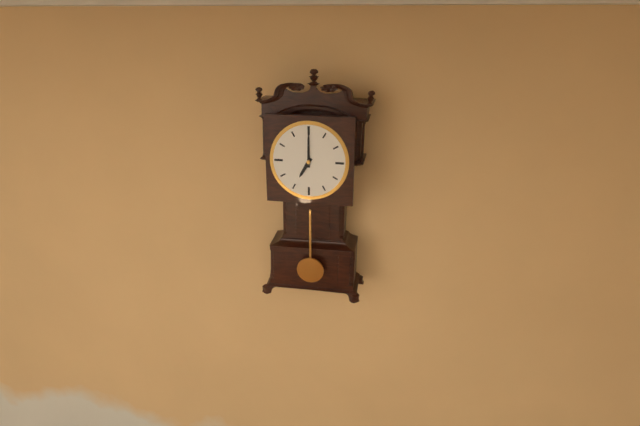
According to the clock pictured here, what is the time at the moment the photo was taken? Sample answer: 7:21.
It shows 7:00
